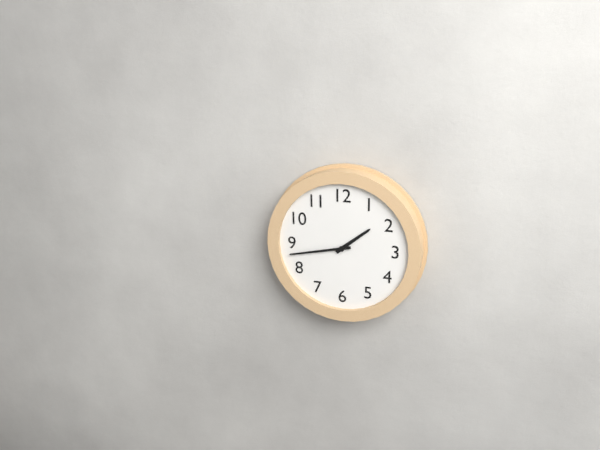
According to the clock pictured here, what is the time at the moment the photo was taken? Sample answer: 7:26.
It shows 1:43
